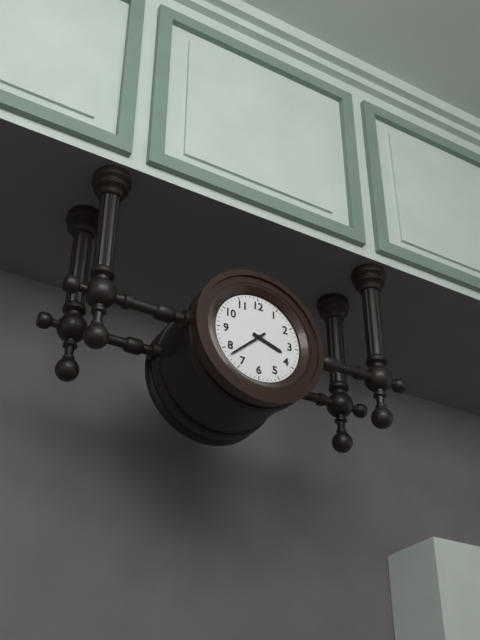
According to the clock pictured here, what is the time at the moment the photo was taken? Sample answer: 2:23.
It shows 3:38
